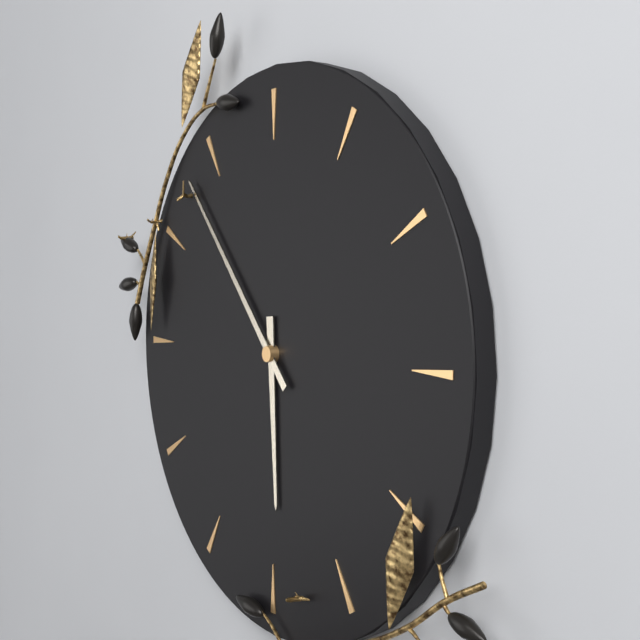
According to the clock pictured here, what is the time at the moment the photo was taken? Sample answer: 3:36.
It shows 5:53
